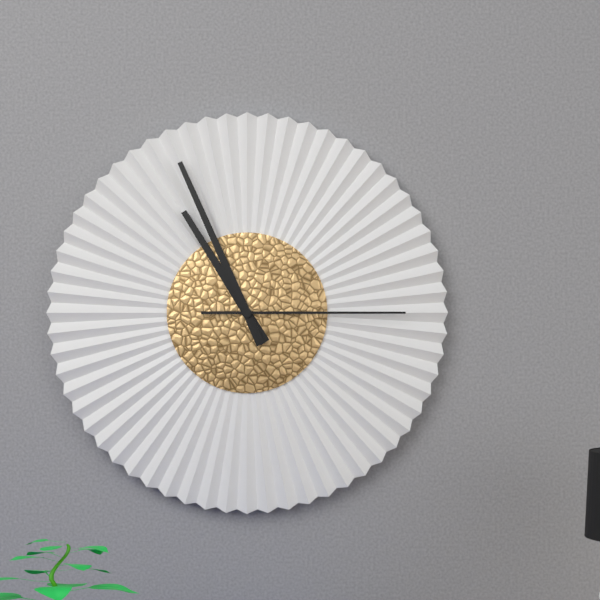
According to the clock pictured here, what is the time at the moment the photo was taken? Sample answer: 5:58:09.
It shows 10:56:15
